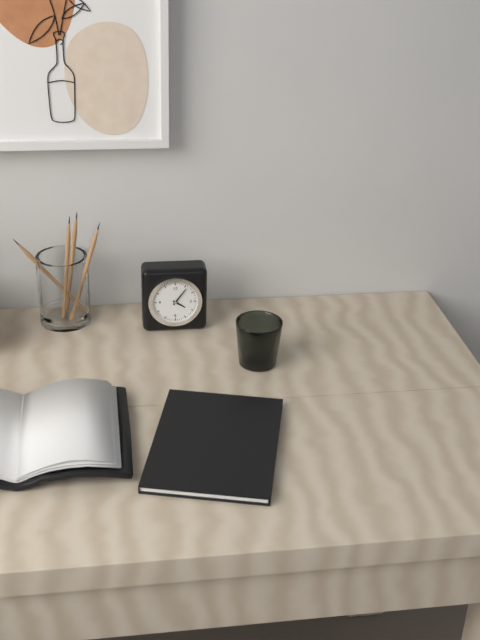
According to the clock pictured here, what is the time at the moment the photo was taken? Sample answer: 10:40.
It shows 4:06
